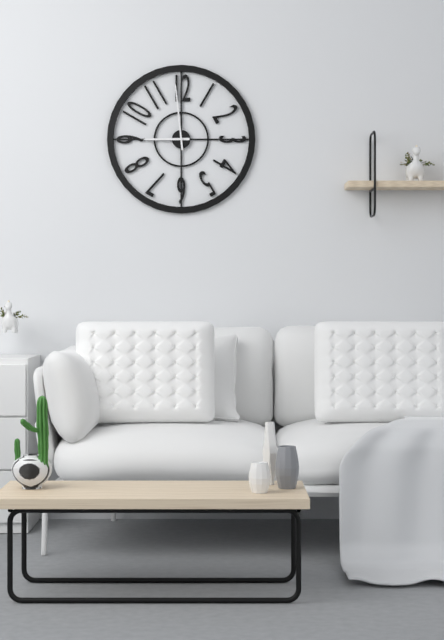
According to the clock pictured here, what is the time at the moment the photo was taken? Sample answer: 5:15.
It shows 8:59
